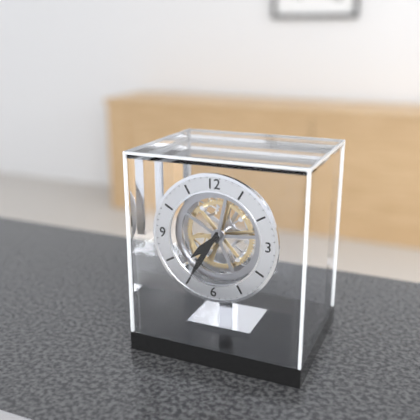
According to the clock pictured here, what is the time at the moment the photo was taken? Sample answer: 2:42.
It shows 7:35
